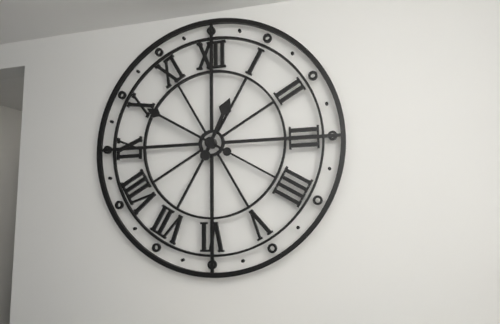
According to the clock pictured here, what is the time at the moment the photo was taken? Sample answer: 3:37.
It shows 12:50
